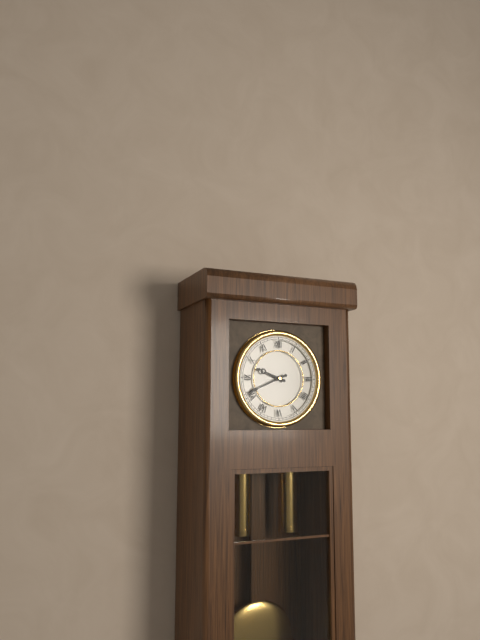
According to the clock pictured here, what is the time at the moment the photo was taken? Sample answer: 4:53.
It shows 9:41
